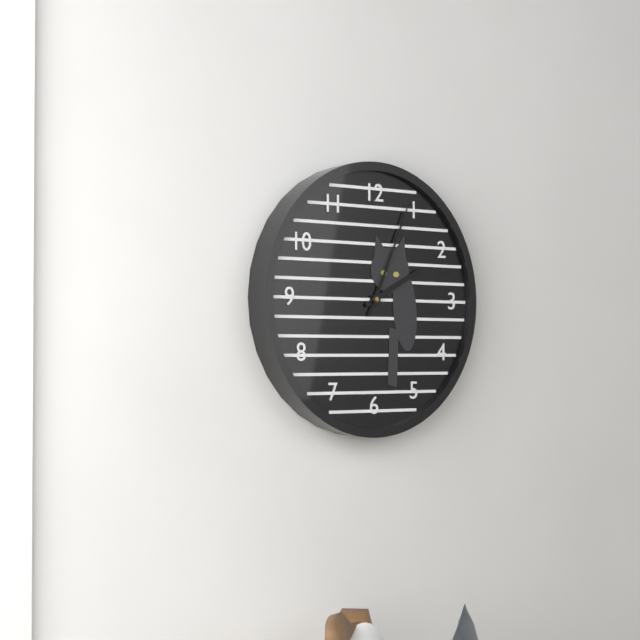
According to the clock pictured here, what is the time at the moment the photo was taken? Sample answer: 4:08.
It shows 2:04
